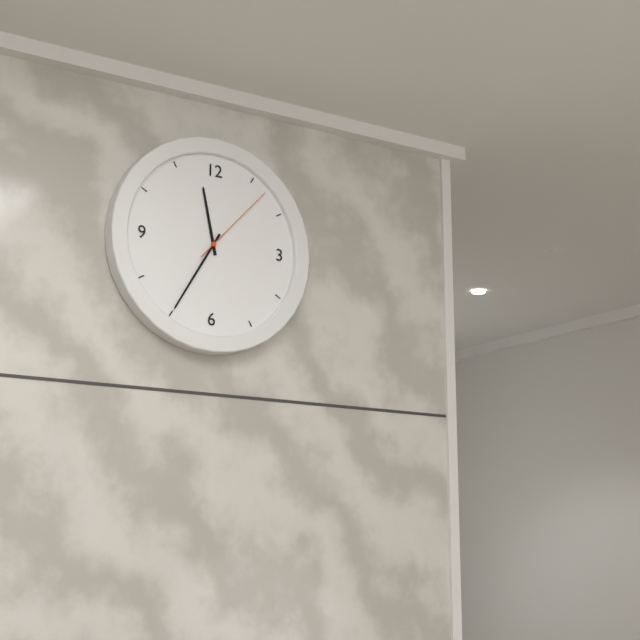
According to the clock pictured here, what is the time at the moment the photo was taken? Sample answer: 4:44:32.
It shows 11:35:07
